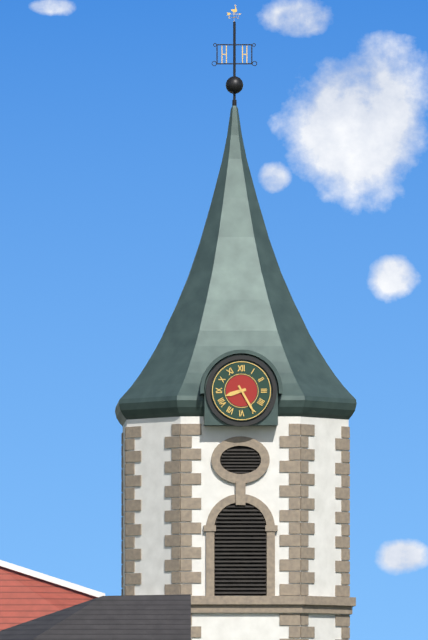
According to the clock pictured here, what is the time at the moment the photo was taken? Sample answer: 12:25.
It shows 8:25
